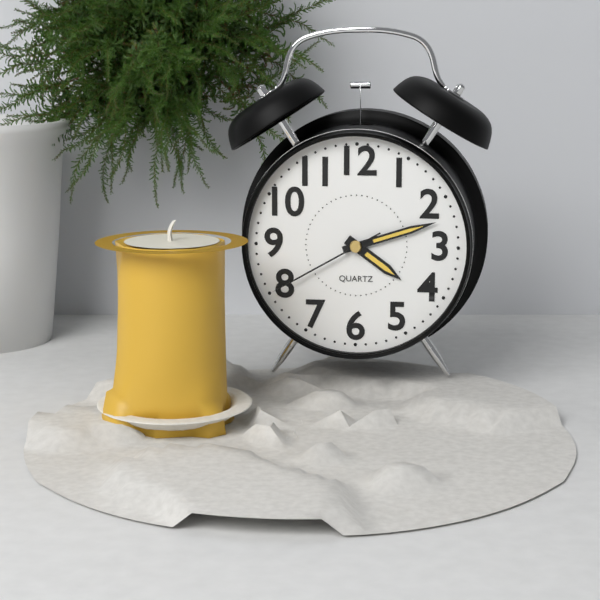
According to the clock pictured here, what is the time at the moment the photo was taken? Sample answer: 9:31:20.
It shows 4:12:40
